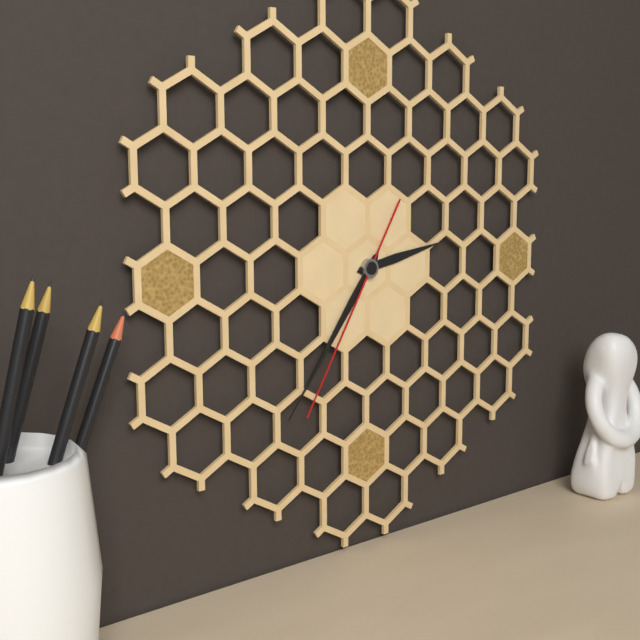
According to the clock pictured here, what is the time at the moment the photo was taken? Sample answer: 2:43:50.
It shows 2:36:35
